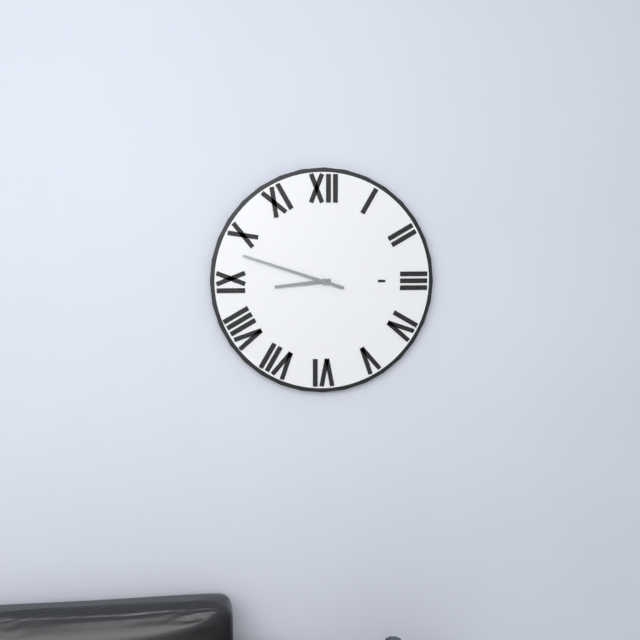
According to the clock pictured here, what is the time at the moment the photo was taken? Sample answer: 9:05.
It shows 8:48
